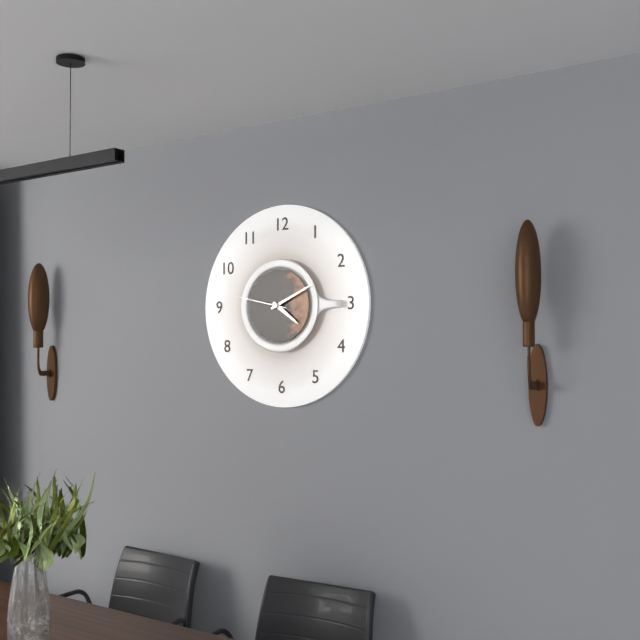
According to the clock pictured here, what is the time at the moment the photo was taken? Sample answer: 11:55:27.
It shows 4:11:47
